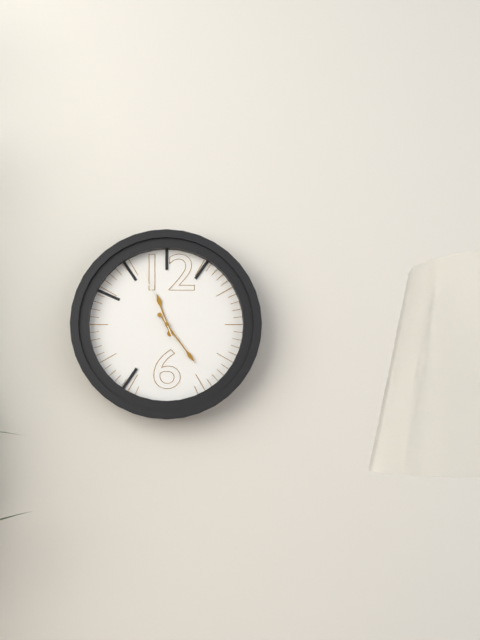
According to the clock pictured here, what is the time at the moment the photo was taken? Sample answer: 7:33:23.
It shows 11:24:56
